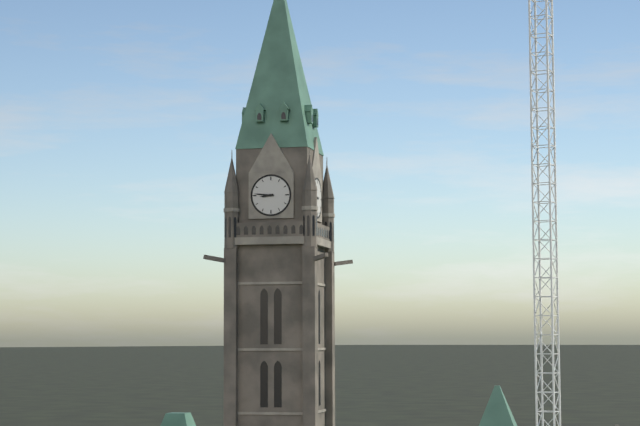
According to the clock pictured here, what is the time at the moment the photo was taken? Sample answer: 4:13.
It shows 8:46
